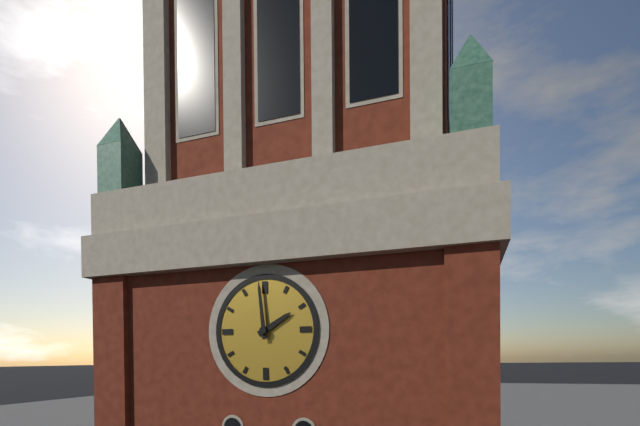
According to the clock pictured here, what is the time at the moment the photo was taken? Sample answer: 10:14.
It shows 1:59
